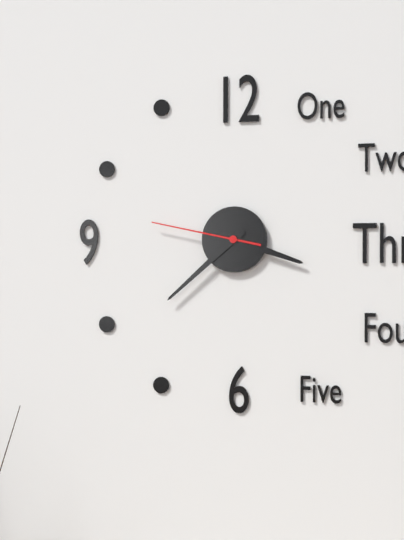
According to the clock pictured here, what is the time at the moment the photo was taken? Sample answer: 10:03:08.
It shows 3:38:47
